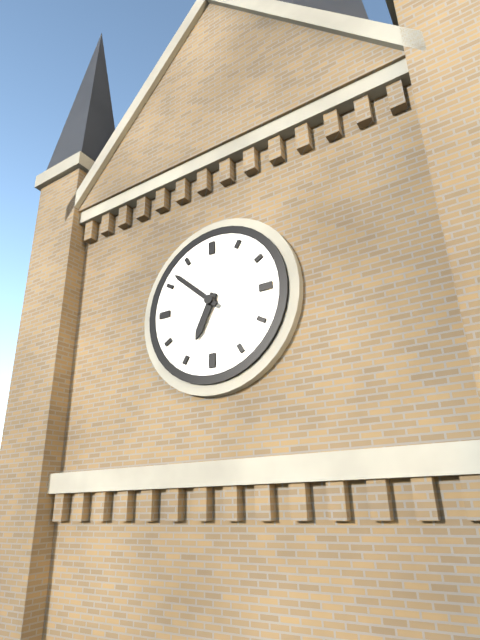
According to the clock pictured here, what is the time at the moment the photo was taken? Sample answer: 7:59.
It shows 6:52
